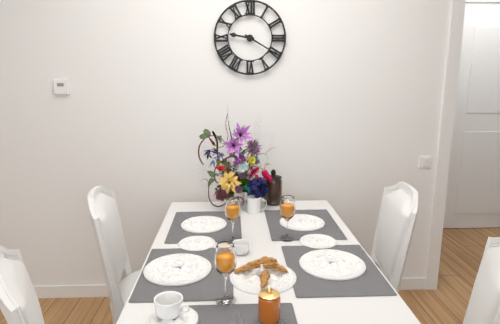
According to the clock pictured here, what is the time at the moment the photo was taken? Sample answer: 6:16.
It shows 9:20
